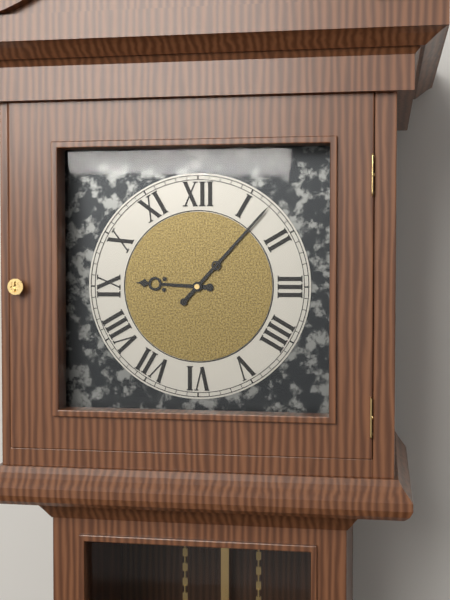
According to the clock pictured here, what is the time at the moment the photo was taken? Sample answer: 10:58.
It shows 9:07
